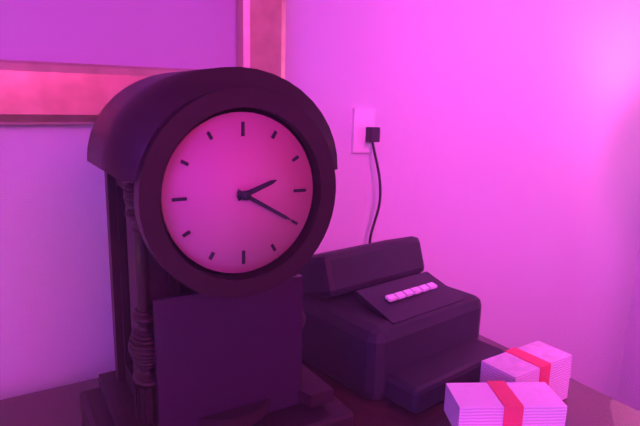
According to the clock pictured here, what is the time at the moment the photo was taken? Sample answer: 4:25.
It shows 2:20
